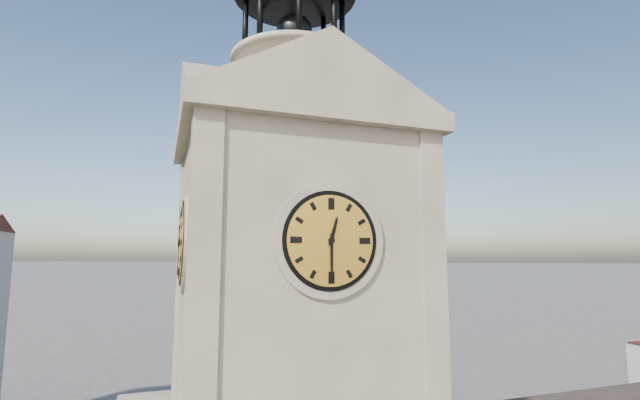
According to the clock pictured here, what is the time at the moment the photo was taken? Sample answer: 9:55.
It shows 12:30
